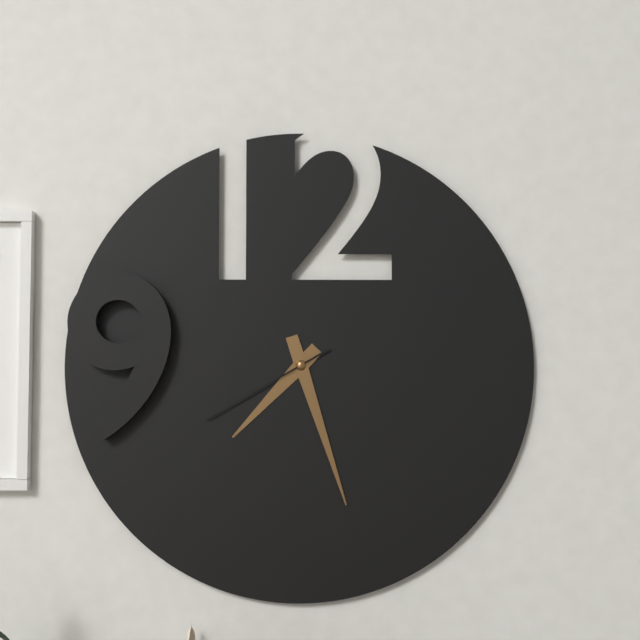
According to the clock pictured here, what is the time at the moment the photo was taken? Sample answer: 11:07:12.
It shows 7:27:40
